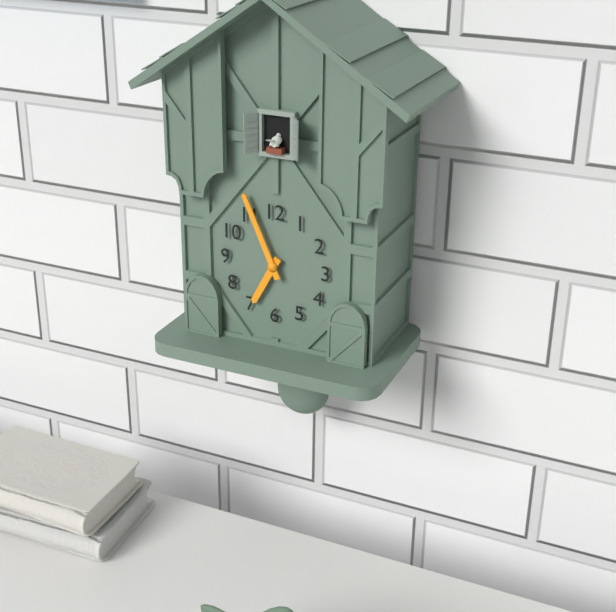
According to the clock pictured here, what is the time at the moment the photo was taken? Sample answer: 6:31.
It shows 6:56
